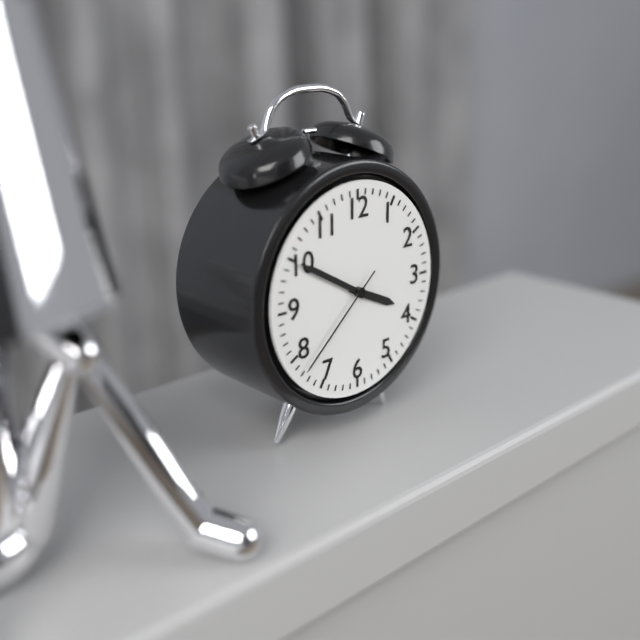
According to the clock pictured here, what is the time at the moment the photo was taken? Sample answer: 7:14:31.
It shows 3:50:38
